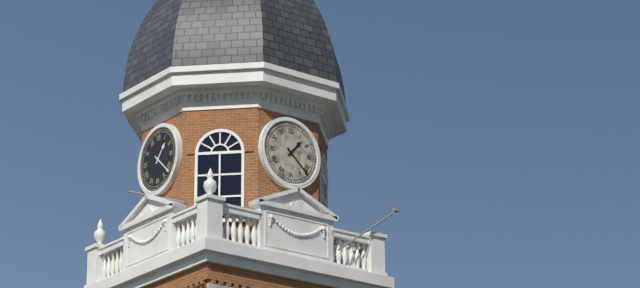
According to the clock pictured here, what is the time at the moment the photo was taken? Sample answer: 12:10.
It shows 1:22
